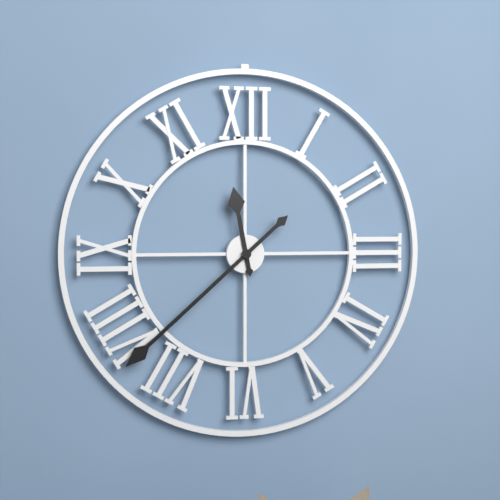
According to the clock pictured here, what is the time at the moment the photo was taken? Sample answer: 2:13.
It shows 11:38
